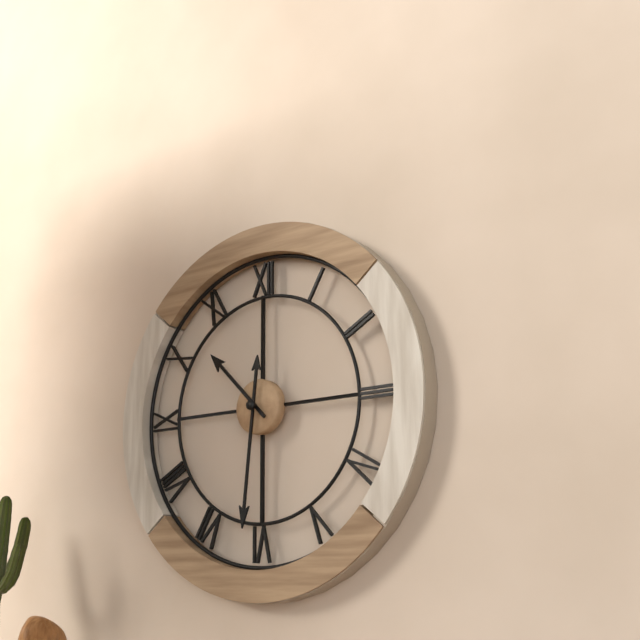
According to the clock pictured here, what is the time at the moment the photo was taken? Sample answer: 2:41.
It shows 10:31
